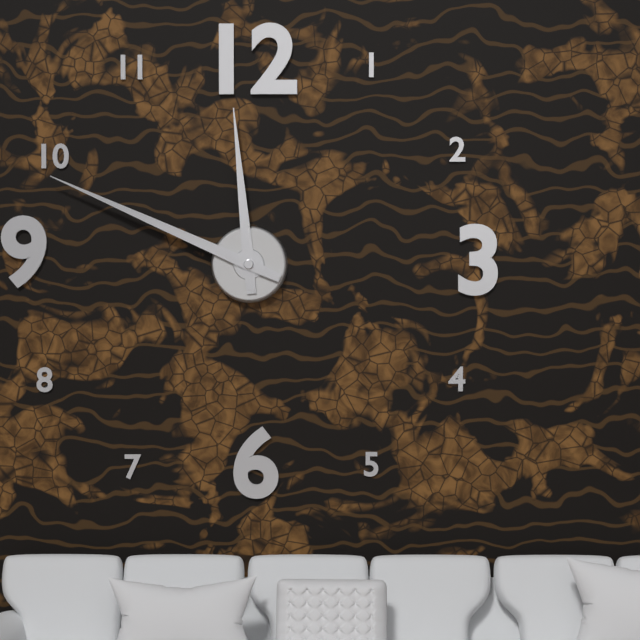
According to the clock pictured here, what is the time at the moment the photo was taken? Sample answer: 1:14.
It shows 11:49
